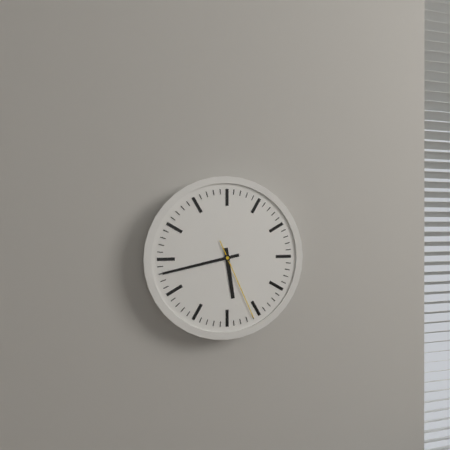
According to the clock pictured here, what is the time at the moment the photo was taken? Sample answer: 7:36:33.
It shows 5:43:26
